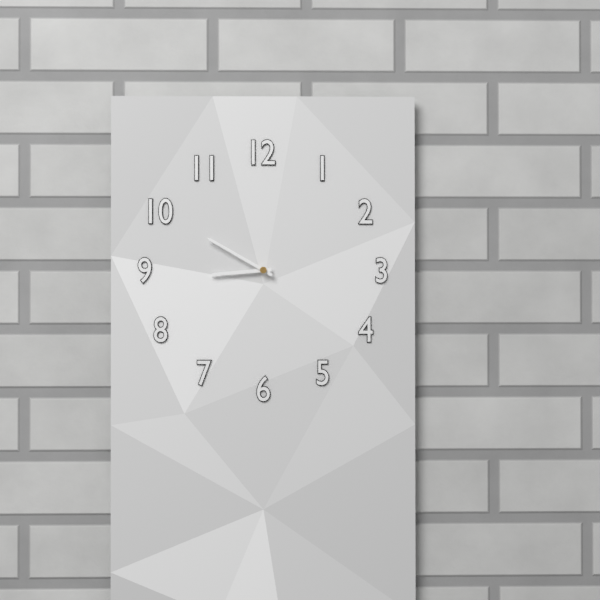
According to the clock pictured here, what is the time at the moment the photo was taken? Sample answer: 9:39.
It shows 8:50
